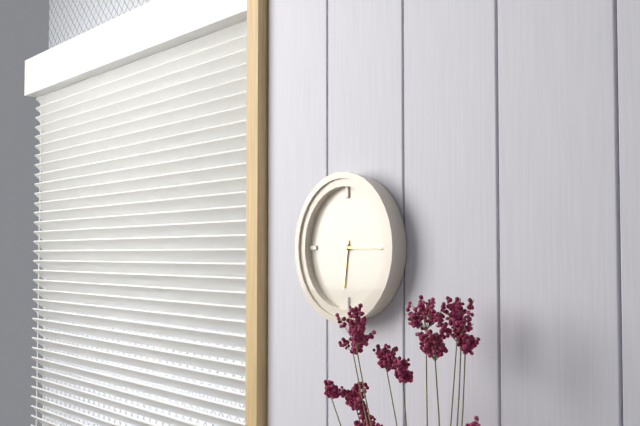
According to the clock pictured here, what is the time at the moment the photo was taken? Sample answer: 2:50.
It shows 6:15
